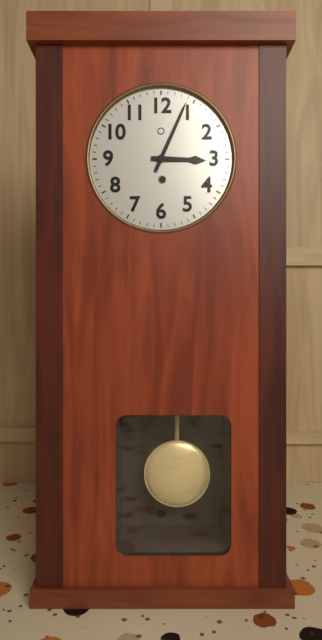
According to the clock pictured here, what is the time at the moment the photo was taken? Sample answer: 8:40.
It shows 3:04
